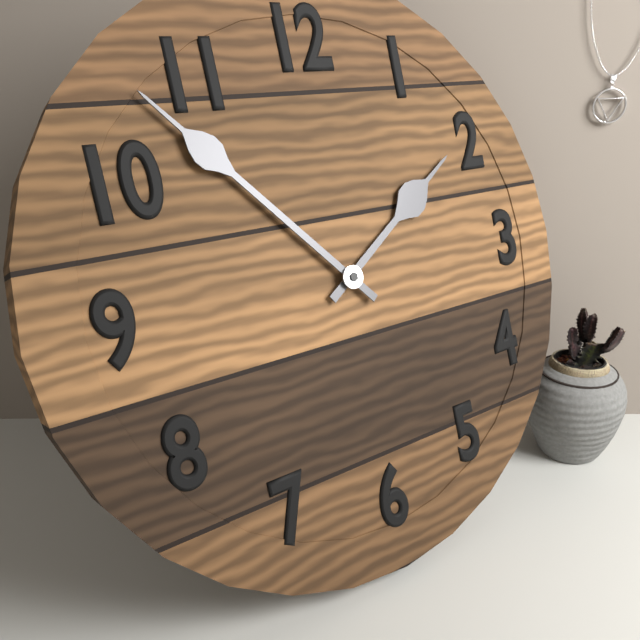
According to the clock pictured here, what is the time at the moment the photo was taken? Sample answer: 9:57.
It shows 1:53
